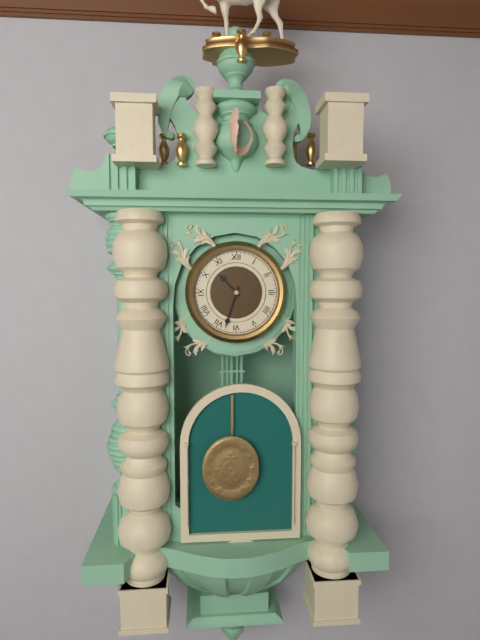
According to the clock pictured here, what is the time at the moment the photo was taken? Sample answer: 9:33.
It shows 10:33
